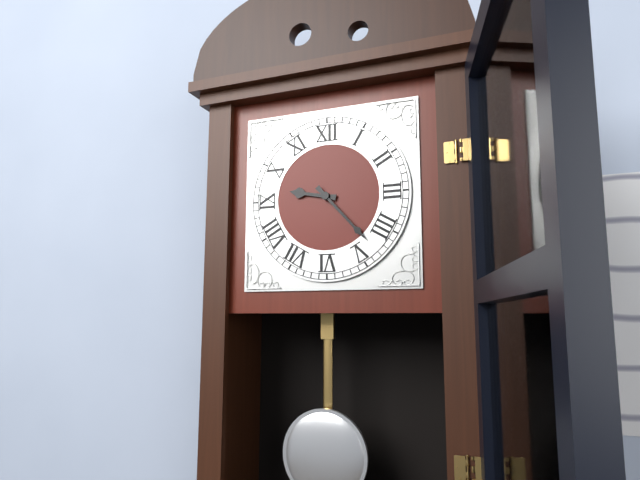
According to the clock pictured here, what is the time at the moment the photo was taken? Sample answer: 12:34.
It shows 9:23
